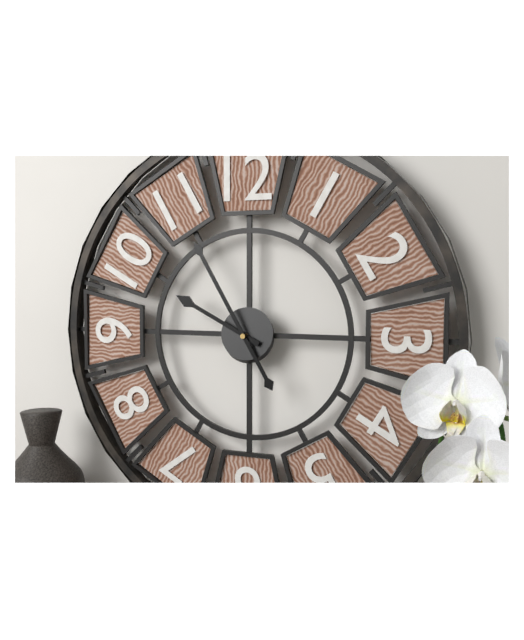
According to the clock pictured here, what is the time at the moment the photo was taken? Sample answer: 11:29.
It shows 9:55
